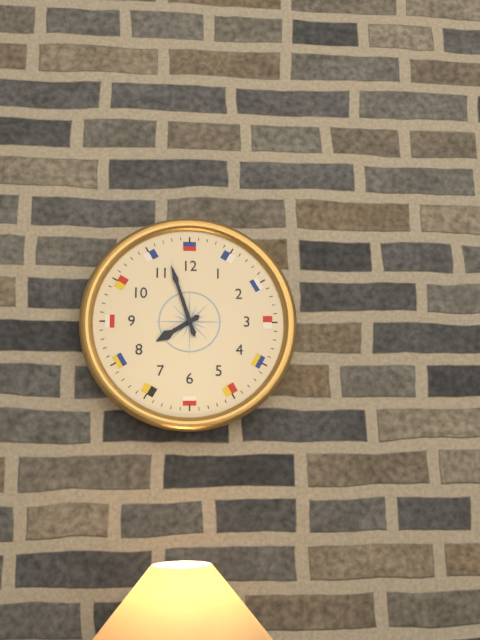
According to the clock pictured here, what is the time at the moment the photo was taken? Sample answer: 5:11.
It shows 7:57
